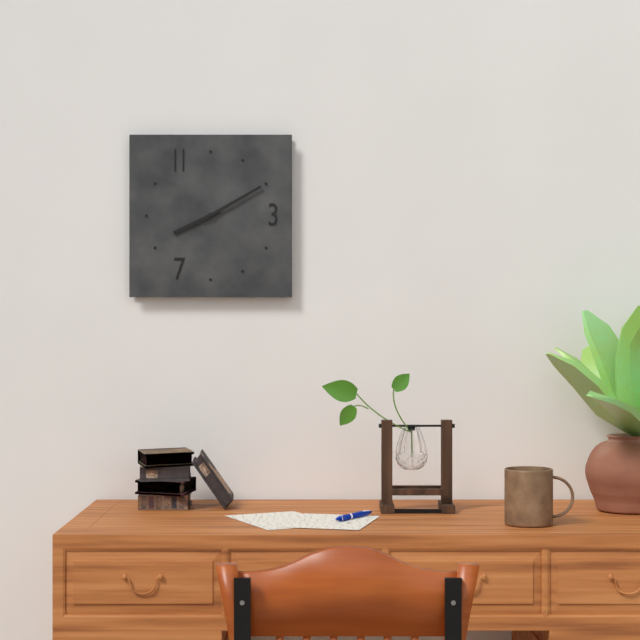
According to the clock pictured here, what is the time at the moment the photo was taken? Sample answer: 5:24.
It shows 8:10
